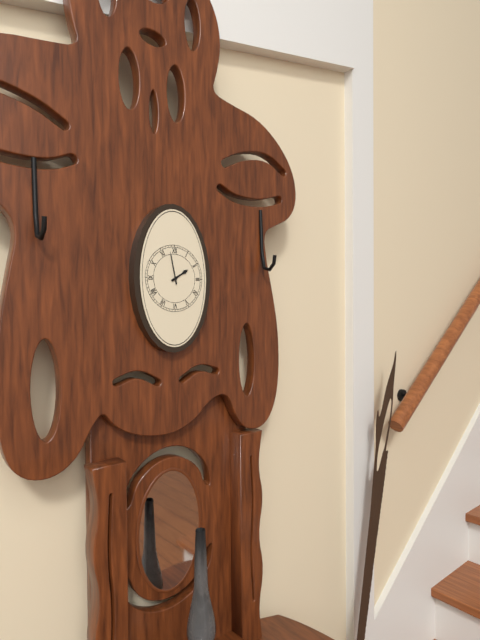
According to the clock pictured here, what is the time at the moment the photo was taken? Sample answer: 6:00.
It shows 1:58
